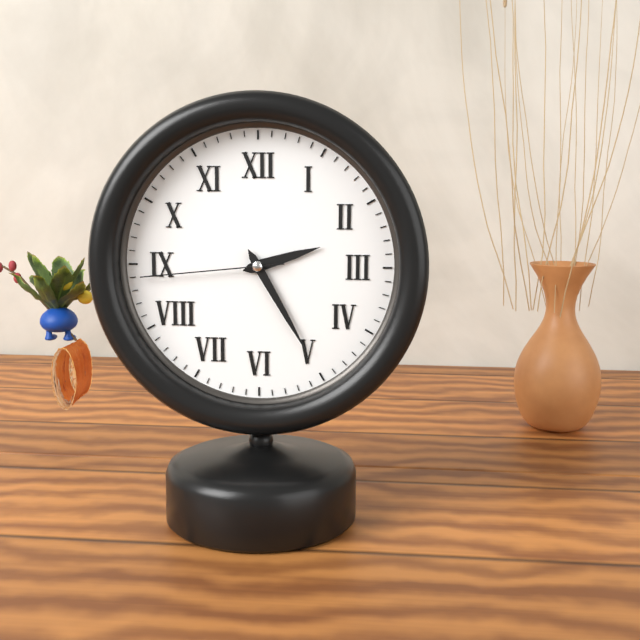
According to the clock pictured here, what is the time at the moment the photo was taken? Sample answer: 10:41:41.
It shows 2:25:44
